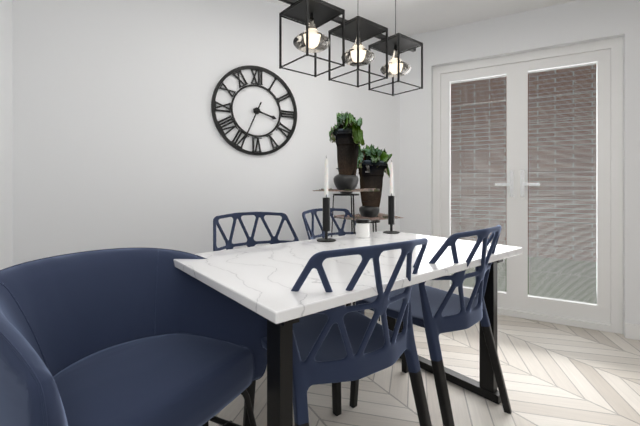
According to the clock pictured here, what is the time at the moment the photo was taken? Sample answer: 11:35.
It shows 3:34
